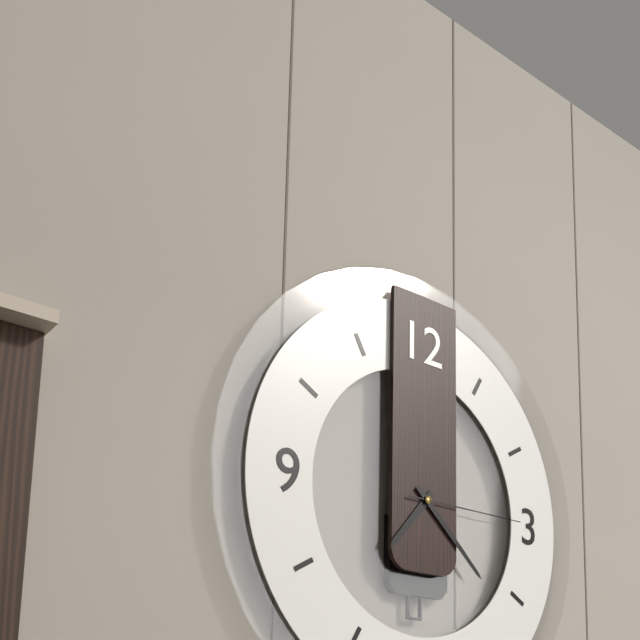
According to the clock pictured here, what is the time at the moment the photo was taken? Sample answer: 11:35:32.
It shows 7:22:15
